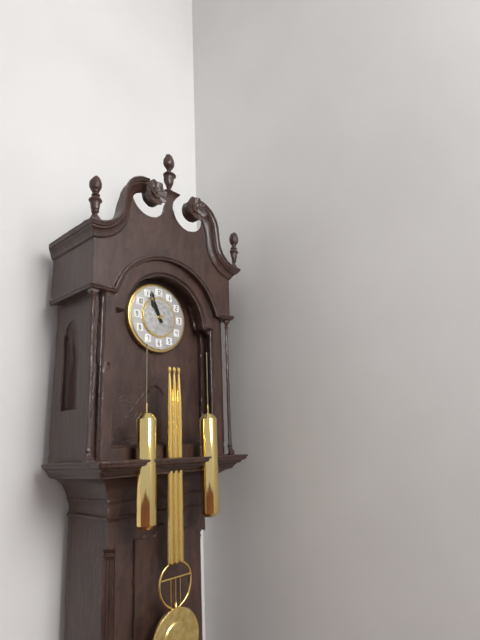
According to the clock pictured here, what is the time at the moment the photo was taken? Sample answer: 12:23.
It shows 10:56
